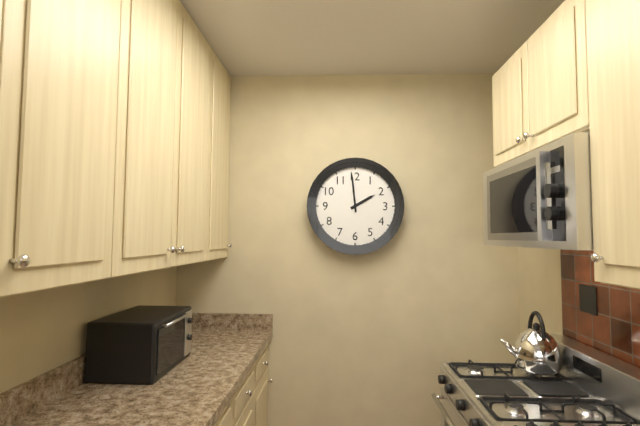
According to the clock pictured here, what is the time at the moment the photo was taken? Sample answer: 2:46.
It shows 1:59
